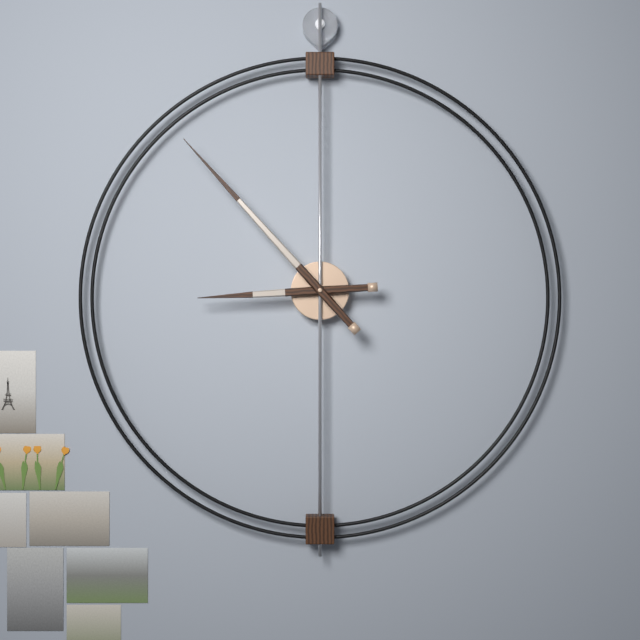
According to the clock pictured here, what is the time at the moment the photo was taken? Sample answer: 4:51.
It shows 8:53
